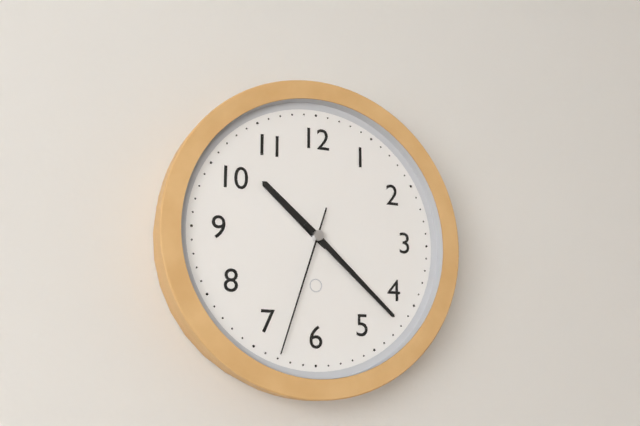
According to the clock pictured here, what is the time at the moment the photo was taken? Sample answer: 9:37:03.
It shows 10:22:33
